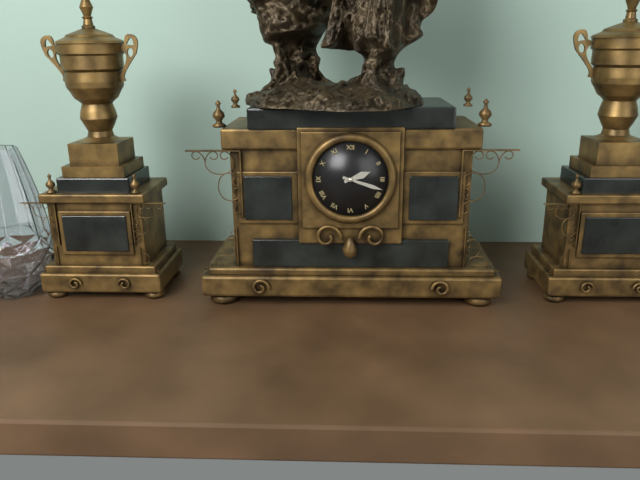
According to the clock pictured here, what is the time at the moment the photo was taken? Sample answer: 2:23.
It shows 2:18
